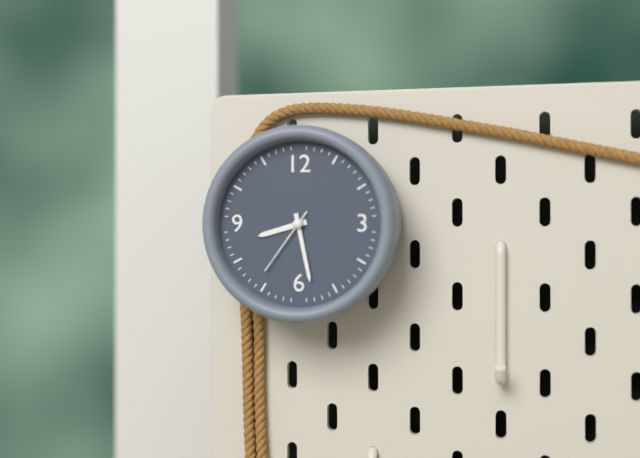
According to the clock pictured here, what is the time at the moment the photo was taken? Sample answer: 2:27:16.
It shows 8:28:36
